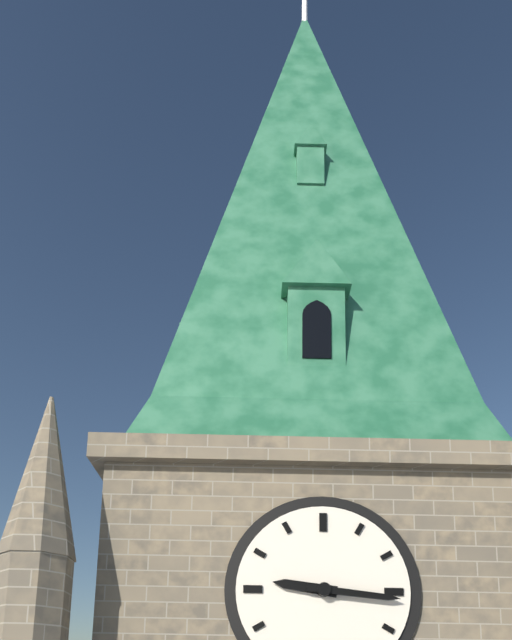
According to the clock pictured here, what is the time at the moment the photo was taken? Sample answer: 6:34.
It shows 9:16
